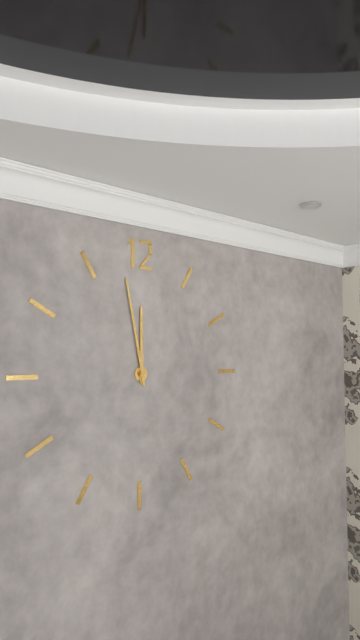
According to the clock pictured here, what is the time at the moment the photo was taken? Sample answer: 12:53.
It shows 11:58
